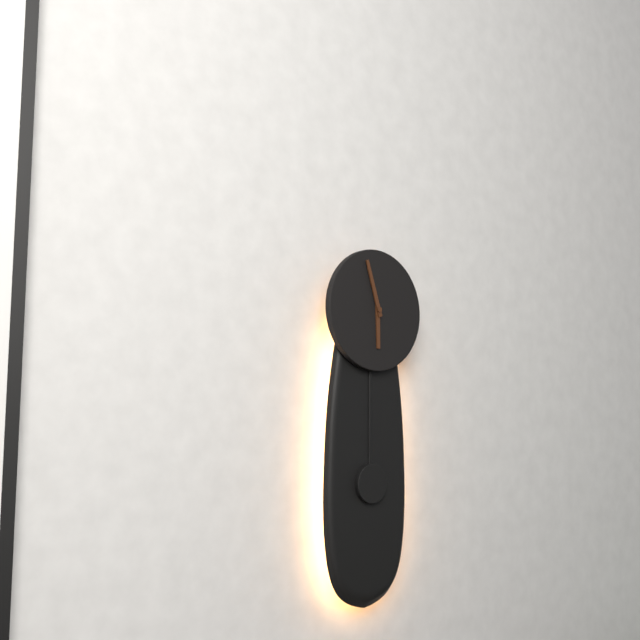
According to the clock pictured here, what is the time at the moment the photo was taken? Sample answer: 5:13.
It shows 5:57
